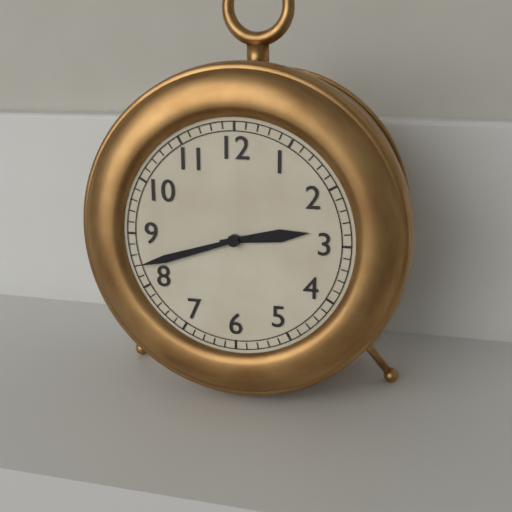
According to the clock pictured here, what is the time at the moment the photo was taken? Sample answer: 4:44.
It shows 2:42
